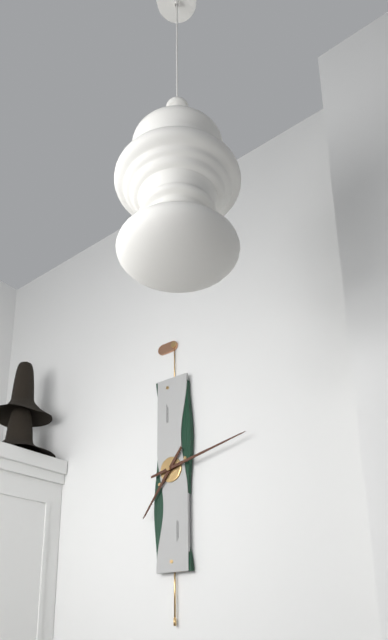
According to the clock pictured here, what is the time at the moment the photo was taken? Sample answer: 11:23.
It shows 7:13
